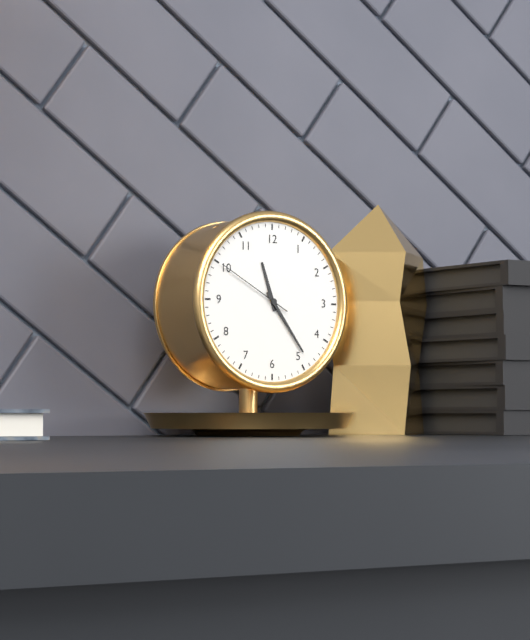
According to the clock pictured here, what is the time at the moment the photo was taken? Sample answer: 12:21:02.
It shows 11:24:50
